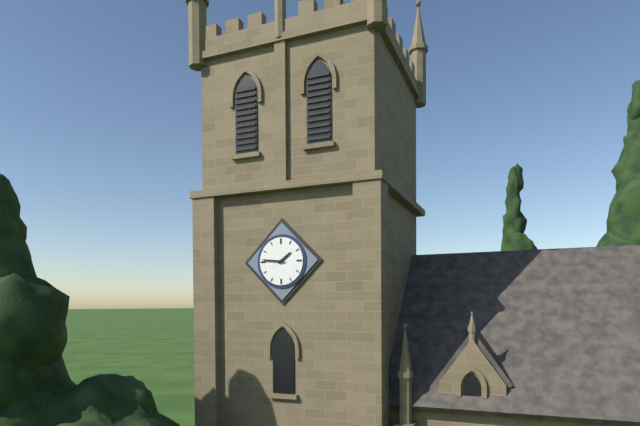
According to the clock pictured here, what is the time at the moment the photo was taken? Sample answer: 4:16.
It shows 1:46
